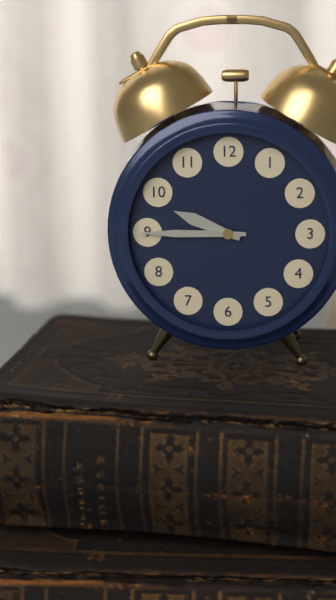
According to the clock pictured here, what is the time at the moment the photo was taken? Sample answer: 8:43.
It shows 9:45
